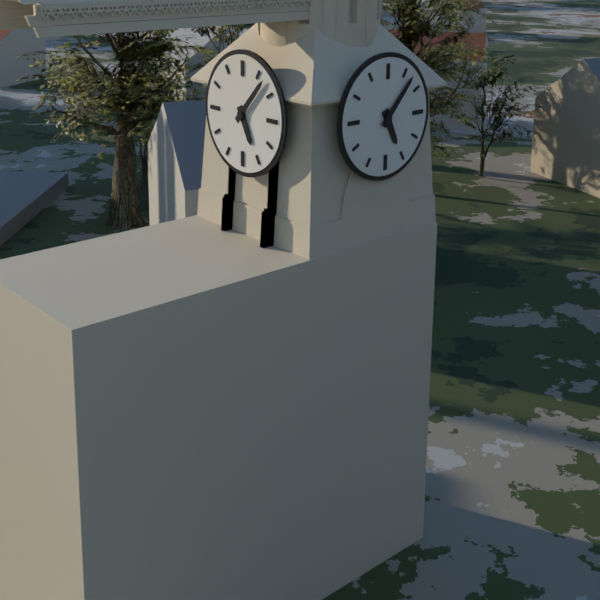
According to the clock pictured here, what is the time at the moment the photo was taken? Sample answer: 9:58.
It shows 5:07
